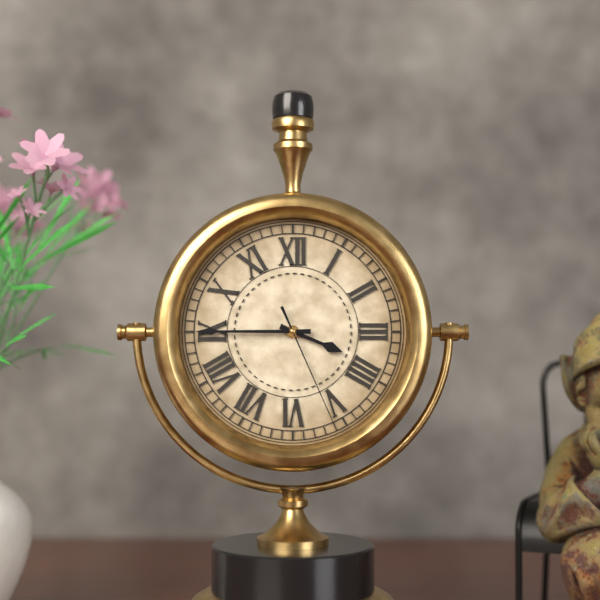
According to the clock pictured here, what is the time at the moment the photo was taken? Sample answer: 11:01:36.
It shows 3:45:26
